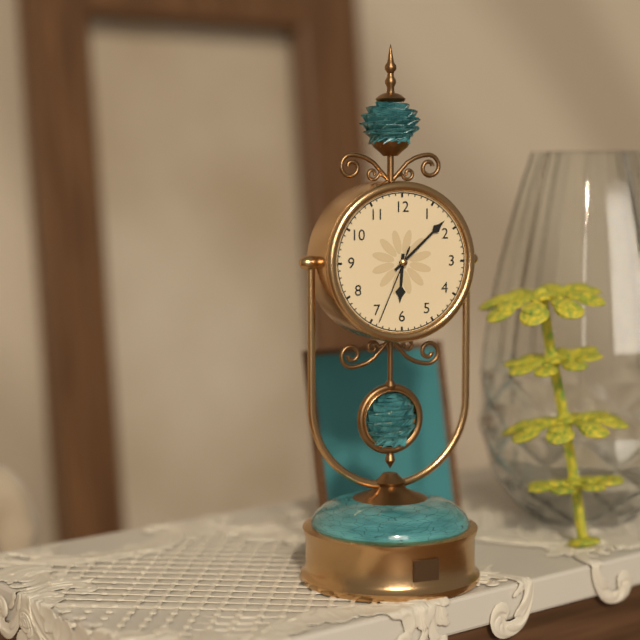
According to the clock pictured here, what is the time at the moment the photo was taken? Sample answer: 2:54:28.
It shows 6:08:34
